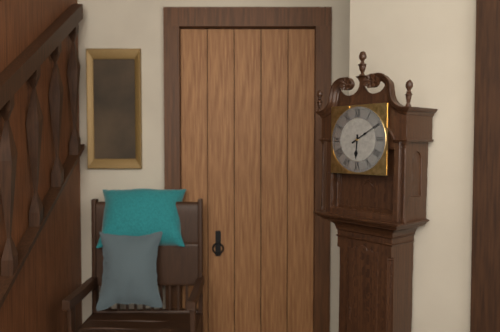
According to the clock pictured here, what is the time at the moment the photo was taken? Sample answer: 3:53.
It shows 6:10
